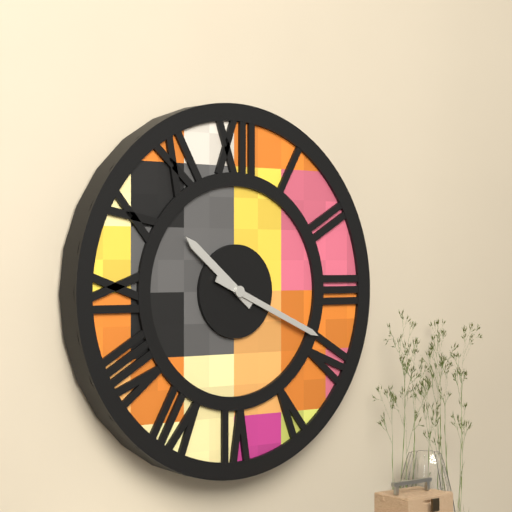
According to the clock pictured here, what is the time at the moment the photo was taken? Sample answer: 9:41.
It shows 10:19
